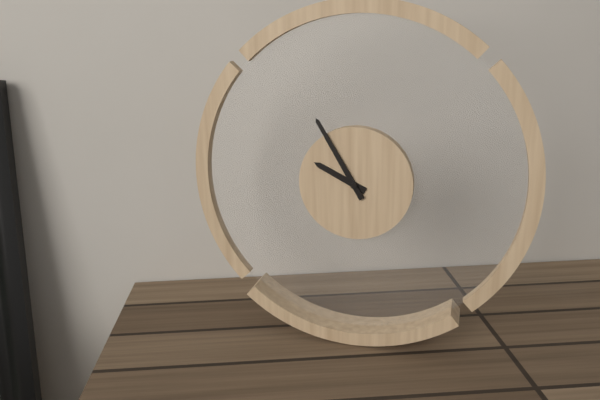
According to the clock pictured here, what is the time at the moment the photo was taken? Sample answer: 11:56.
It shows 9:55
